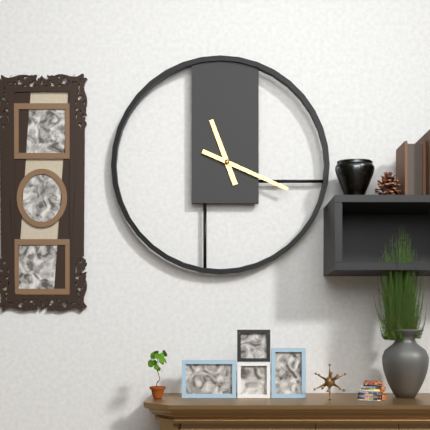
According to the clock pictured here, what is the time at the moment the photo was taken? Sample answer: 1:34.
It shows 11:19
